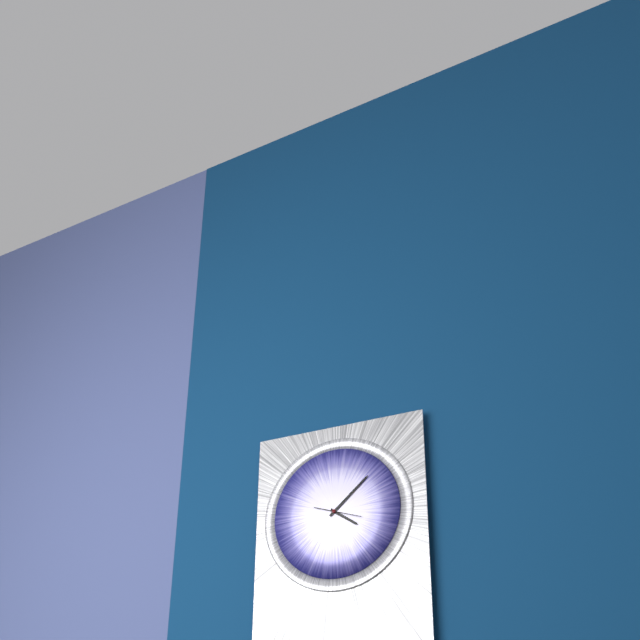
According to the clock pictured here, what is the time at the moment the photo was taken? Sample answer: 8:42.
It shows 4:08
